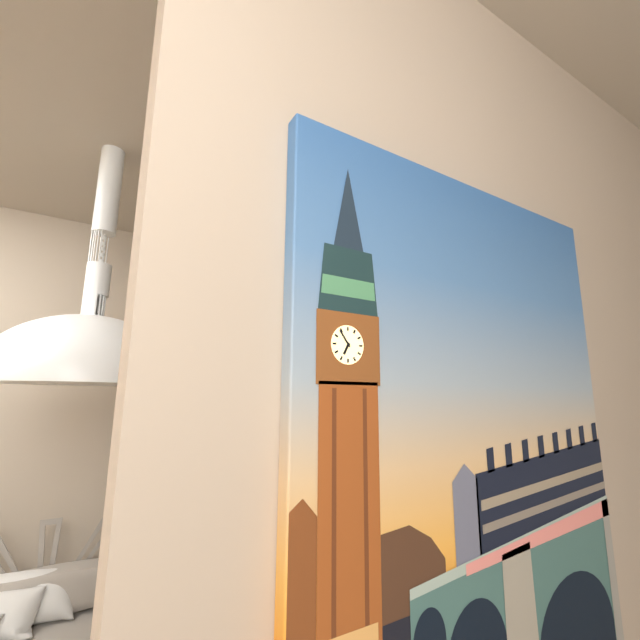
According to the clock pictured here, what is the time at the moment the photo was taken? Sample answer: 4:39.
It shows 6:54
